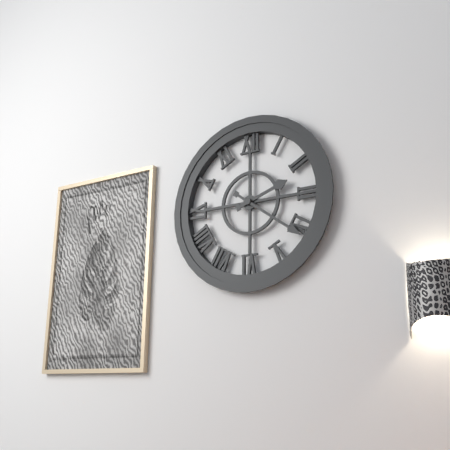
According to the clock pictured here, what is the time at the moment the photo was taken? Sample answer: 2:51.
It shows 2:21
